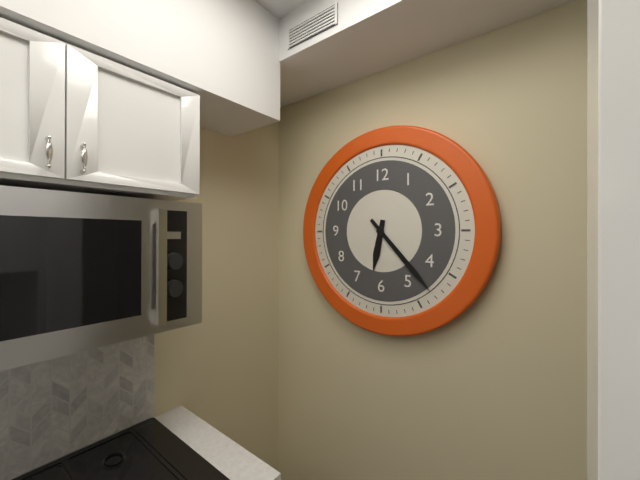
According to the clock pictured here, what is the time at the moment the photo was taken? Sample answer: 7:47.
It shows 6:23
